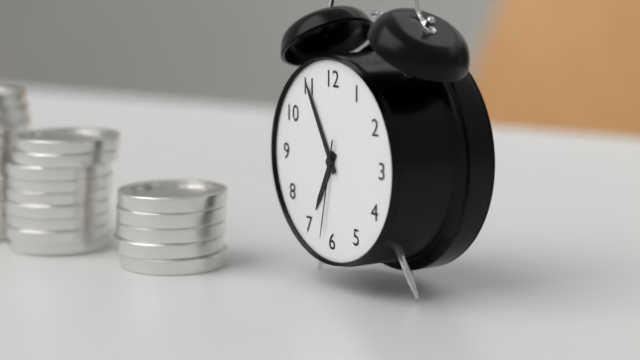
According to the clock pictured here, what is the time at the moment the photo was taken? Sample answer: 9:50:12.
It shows 6:55:32
